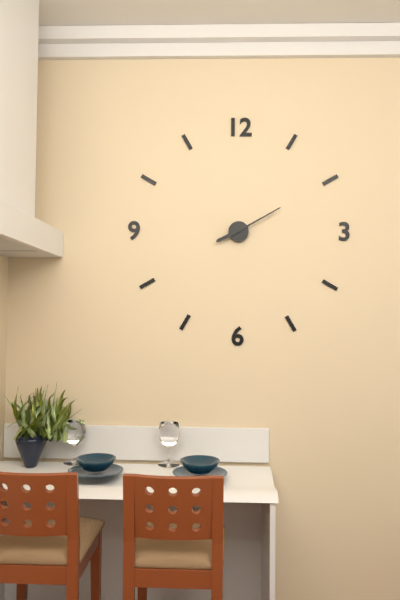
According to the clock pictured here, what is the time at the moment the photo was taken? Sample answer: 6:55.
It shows 8:10
